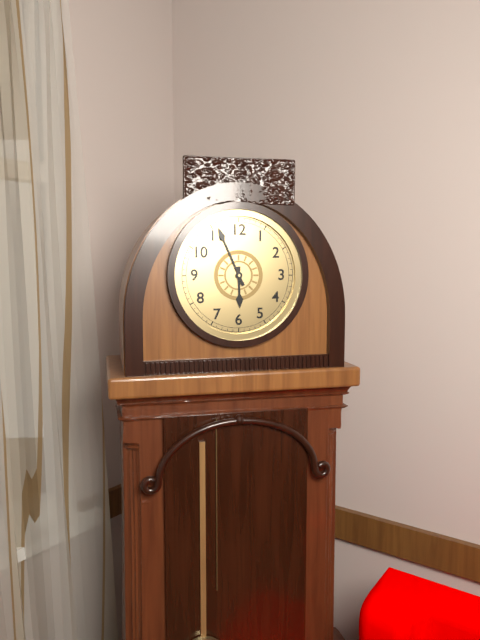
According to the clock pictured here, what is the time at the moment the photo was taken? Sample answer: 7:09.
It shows 5:56
